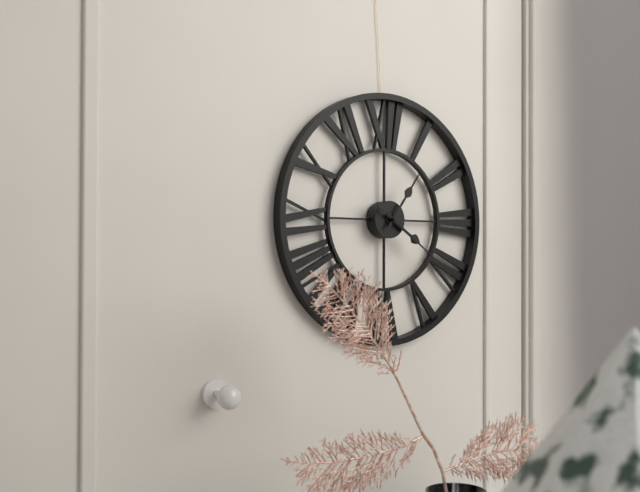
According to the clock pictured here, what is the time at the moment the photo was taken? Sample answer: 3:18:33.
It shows 4:06:21
